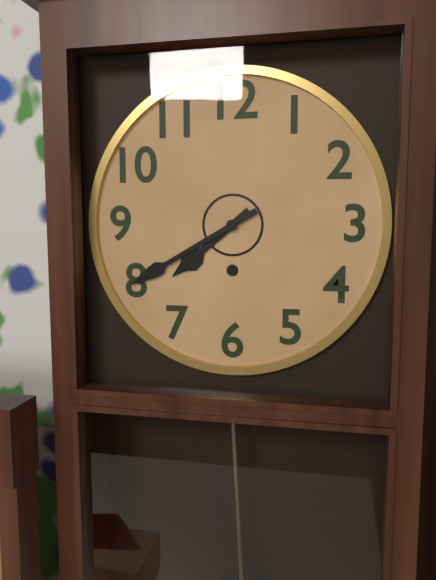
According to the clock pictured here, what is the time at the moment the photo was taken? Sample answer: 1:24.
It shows 7:40
